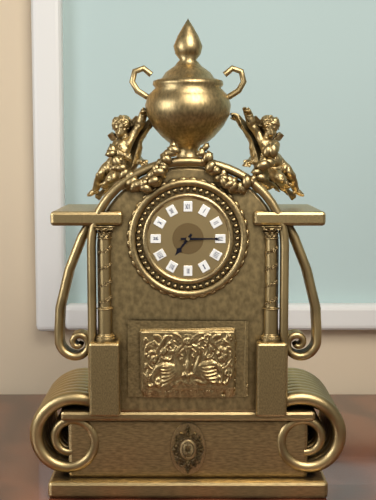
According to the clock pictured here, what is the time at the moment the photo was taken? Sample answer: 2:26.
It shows 7:15
